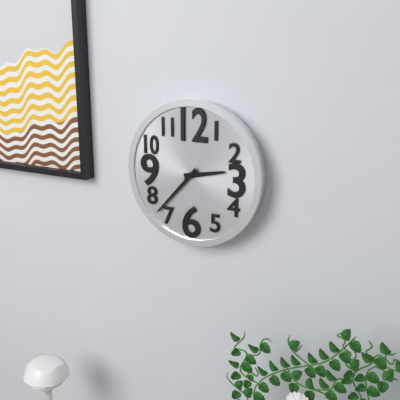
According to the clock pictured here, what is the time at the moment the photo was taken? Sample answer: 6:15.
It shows 2:37
